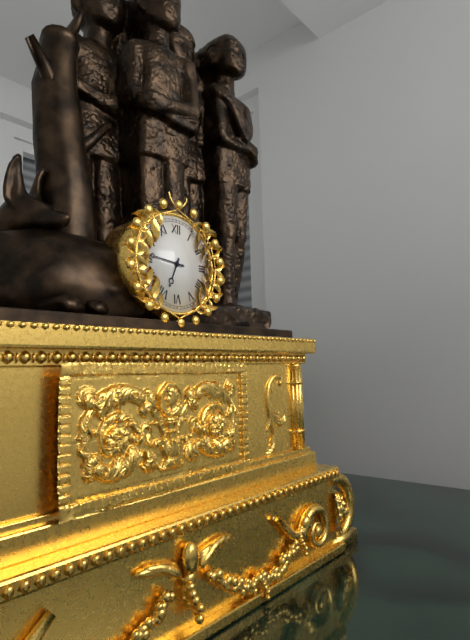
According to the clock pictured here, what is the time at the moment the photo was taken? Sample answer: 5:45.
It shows 6:46
